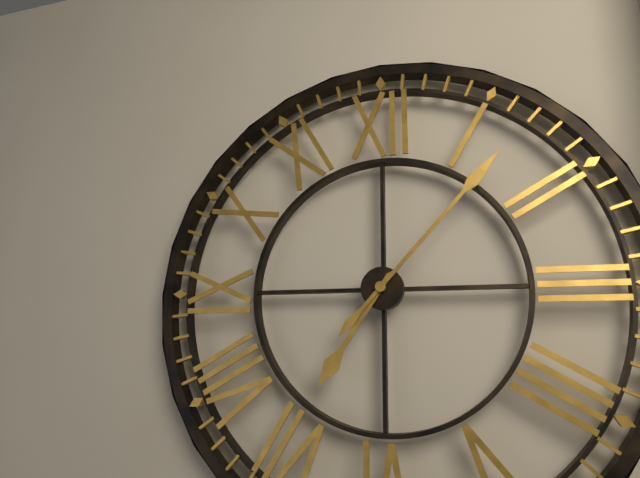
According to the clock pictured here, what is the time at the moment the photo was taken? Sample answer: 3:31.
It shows 7:07
